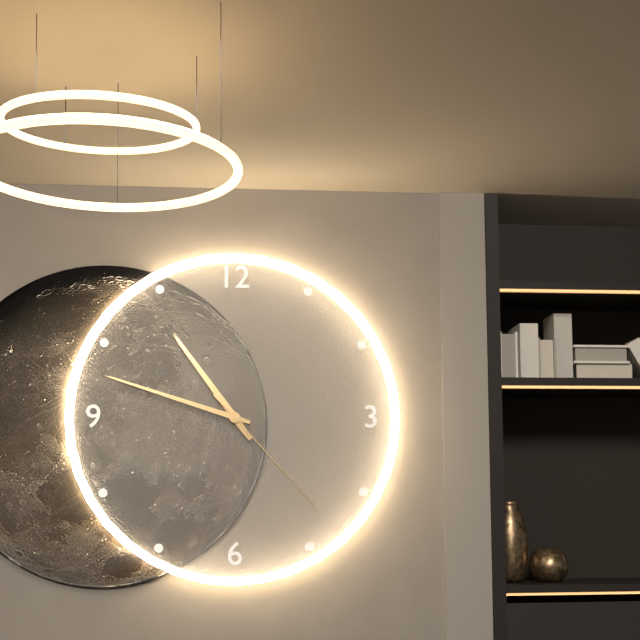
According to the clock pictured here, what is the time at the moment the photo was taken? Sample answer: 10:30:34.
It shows 10:48:23
